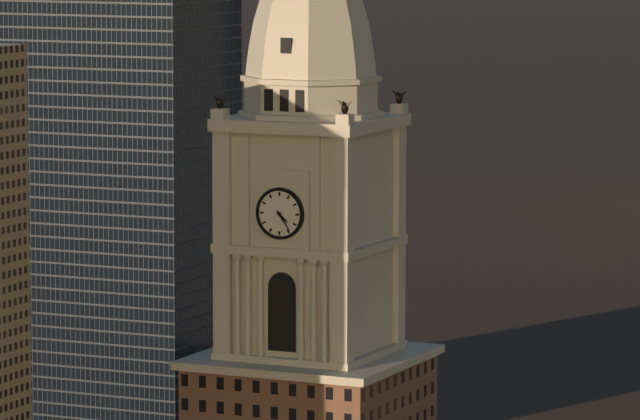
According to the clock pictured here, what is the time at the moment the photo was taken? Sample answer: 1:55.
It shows 4:24
